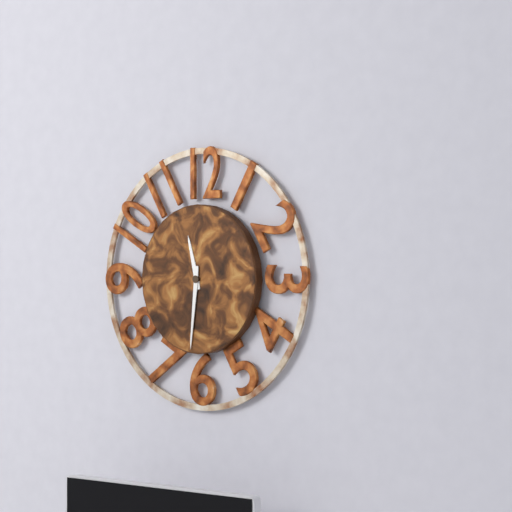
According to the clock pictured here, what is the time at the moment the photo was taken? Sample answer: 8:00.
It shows 11:31
